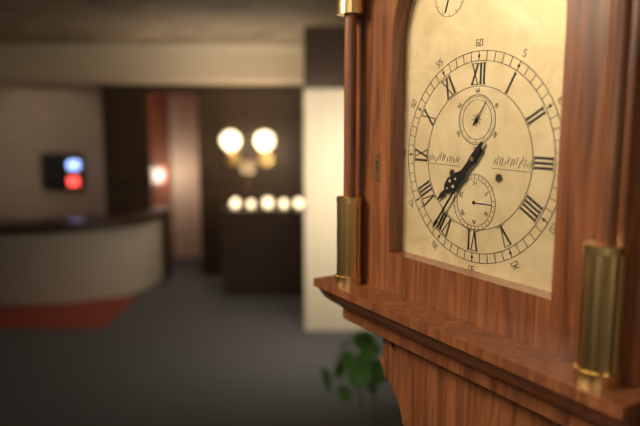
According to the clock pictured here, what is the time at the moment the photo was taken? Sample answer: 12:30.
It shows 7:36
